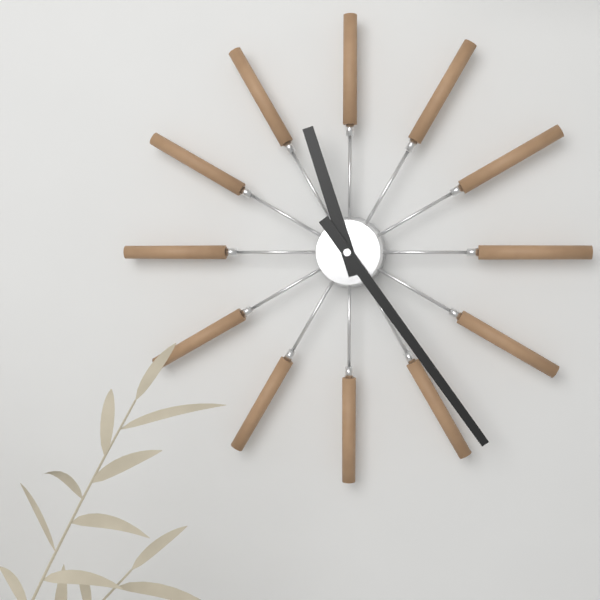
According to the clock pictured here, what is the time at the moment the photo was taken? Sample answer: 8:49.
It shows 11:24
